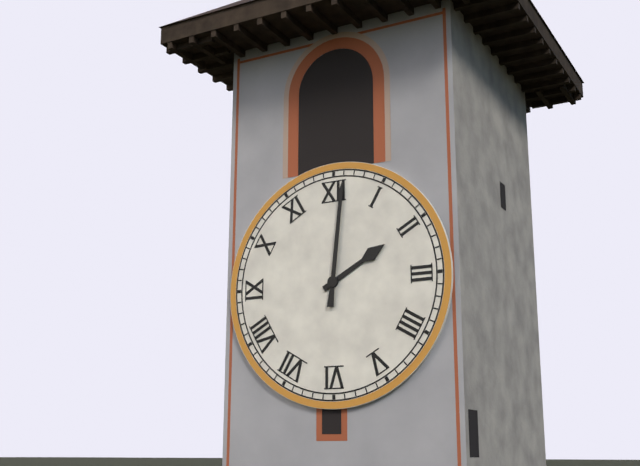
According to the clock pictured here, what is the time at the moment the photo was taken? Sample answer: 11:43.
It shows 2:01
